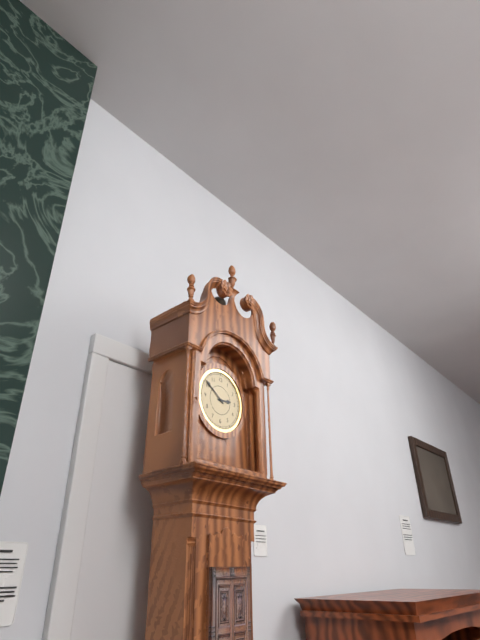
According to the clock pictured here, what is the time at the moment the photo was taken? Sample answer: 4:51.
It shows 2:51
